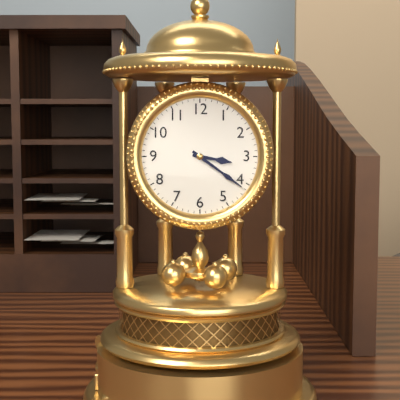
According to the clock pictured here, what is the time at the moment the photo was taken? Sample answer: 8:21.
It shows 3:21
